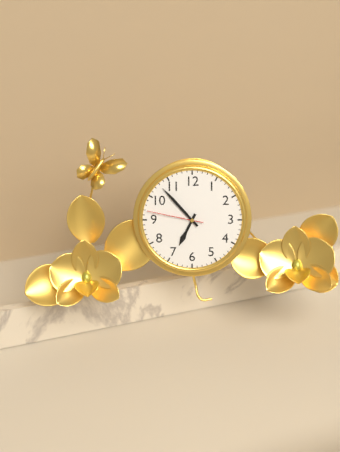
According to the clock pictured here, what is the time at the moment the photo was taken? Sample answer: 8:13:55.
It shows 6:53:47
